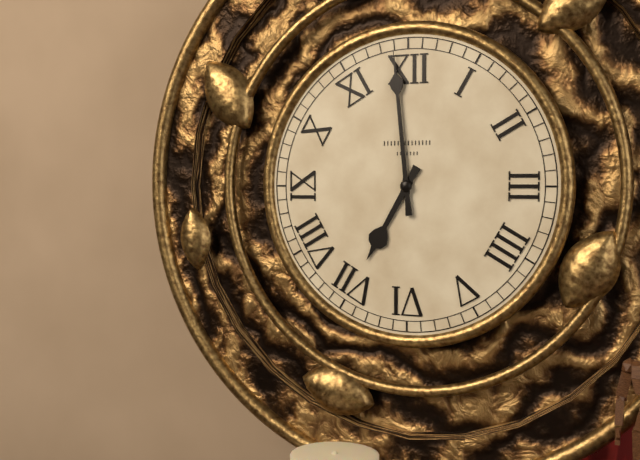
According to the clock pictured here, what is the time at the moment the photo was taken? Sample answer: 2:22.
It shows 6:59
